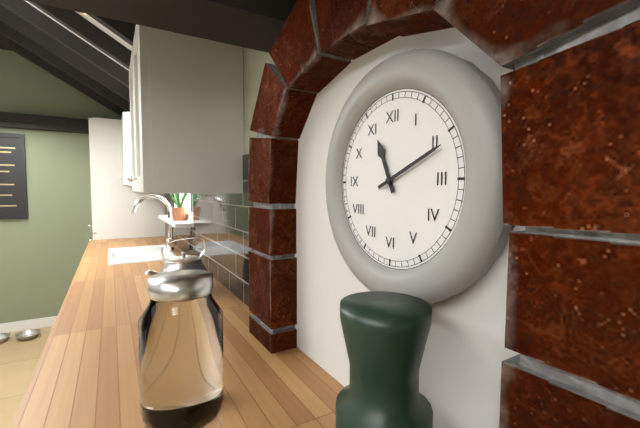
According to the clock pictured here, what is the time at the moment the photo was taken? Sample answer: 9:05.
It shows 11:11
